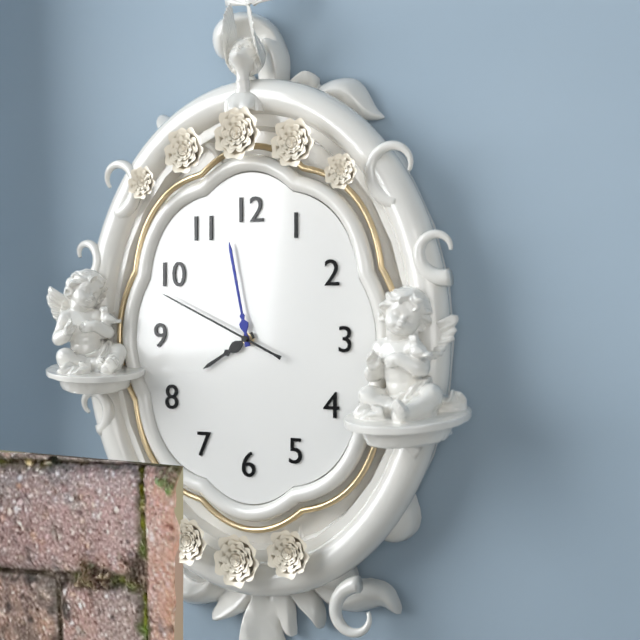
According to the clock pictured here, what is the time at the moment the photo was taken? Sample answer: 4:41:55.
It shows 7:58:49
